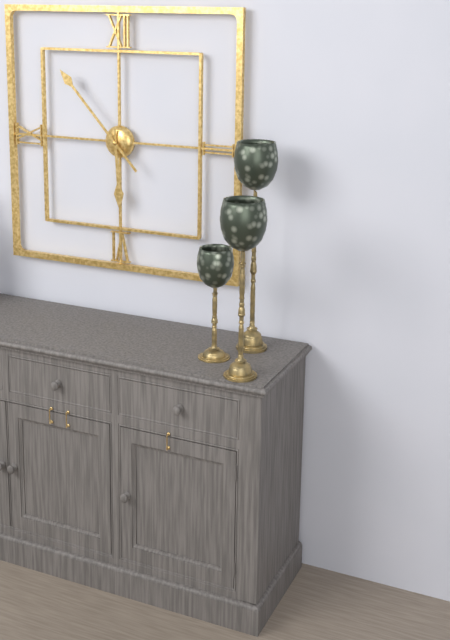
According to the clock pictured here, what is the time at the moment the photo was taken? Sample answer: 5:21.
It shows 5:53
